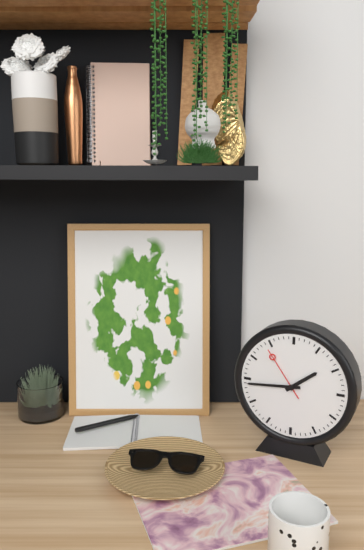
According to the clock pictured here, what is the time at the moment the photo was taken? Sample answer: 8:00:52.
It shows 1:44:54
